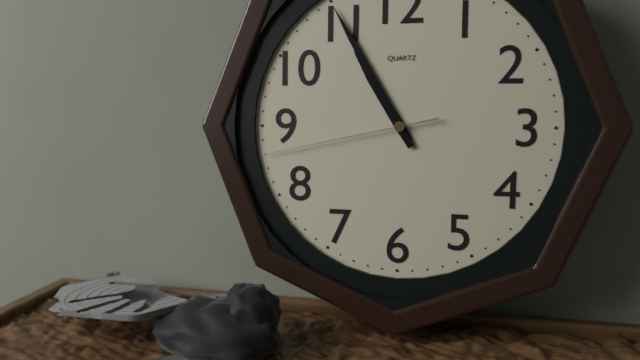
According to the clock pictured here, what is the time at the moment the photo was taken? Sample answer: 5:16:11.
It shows 10:55:43
